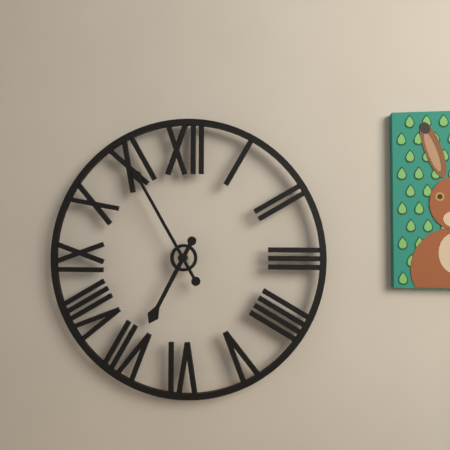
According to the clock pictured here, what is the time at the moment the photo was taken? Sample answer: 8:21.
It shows 6:55
